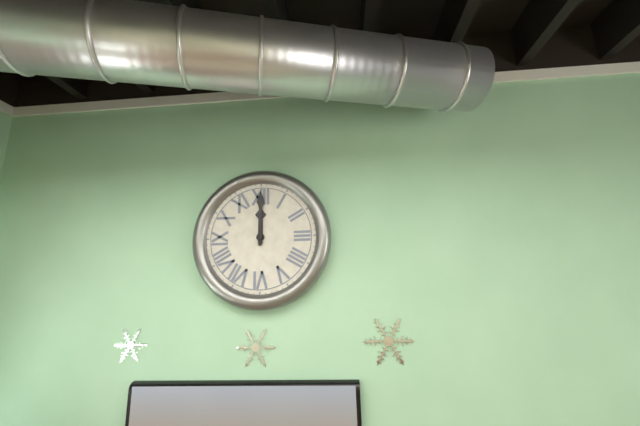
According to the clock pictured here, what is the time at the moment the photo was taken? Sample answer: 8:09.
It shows 12:00
